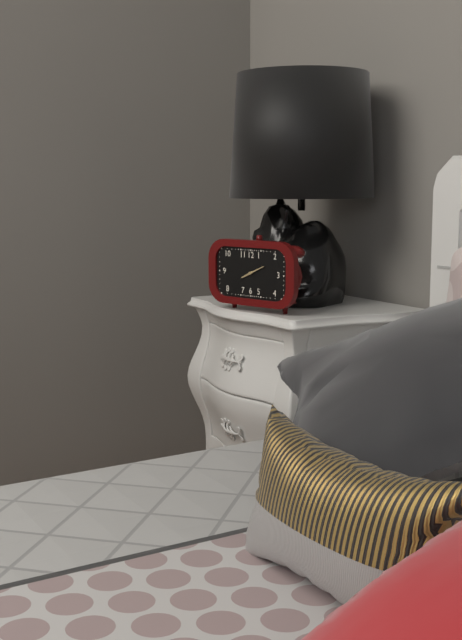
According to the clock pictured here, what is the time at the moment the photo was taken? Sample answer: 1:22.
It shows 8:11
